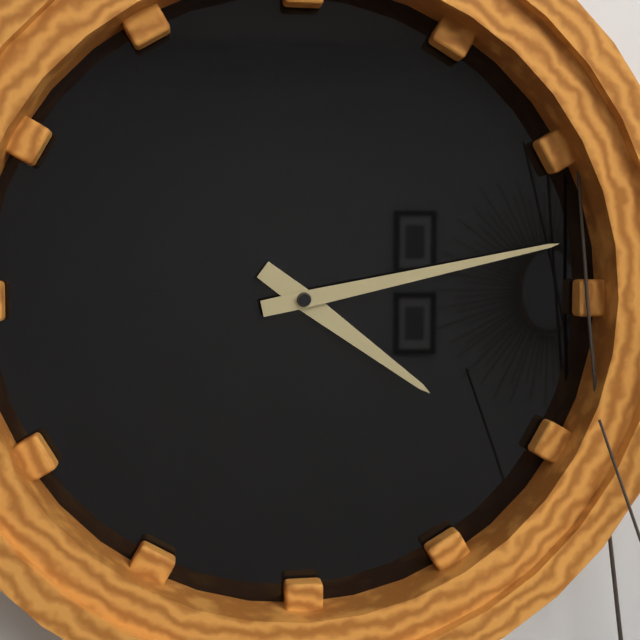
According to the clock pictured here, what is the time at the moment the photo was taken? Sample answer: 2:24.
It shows 4:13
